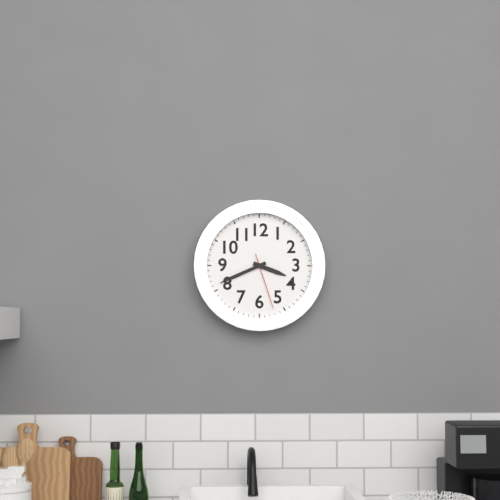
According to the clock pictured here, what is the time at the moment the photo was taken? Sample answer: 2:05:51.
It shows 3:41:27
